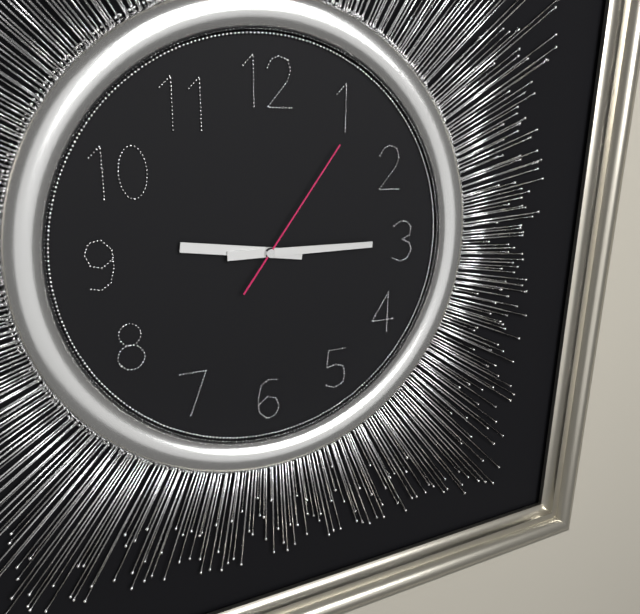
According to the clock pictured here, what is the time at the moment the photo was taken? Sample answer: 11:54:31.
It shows 9:15:06
